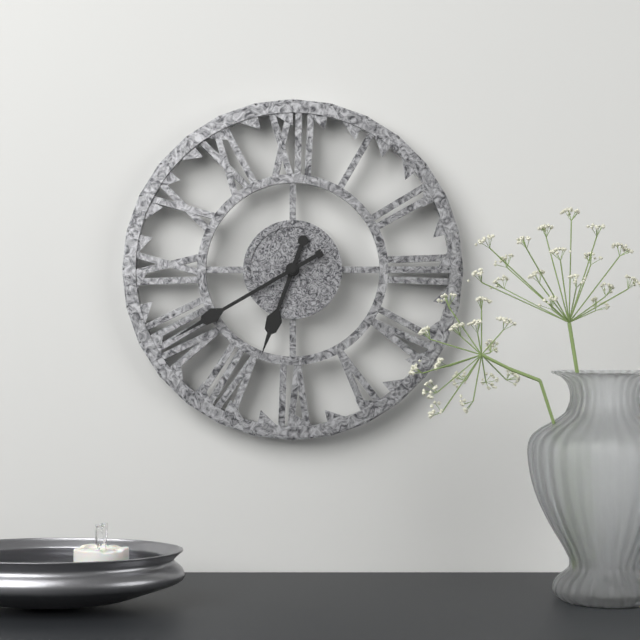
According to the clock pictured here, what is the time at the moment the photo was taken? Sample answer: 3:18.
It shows 6:40
